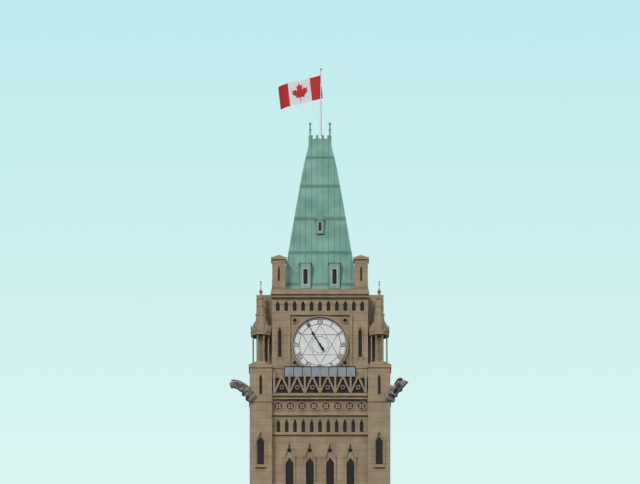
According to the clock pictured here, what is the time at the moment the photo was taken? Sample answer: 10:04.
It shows 10:55
